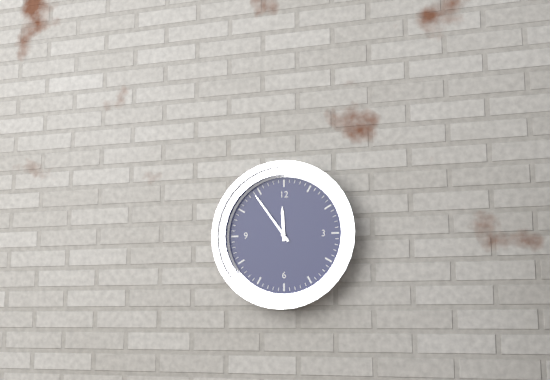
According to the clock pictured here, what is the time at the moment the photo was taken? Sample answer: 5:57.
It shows 11:54
